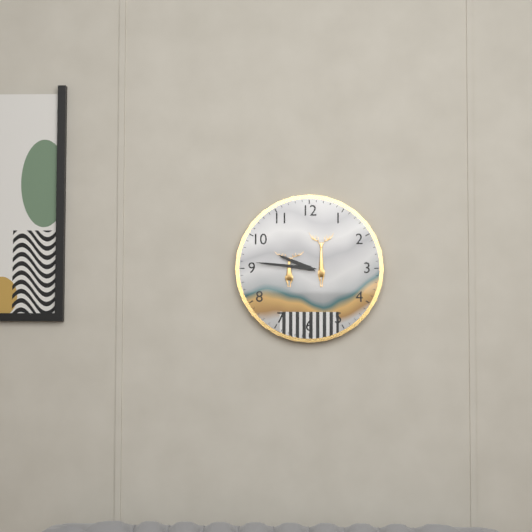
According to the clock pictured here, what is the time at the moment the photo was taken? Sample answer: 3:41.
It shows 9:46
